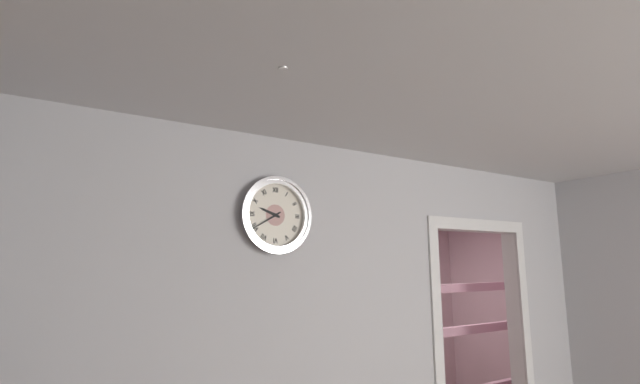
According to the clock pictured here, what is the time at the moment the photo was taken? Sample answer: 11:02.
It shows 9:40
